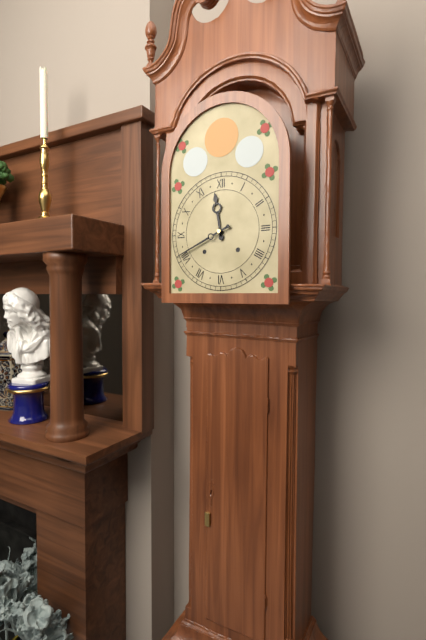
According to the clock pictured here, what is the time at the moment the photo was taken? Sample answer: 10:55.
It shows 11:41
